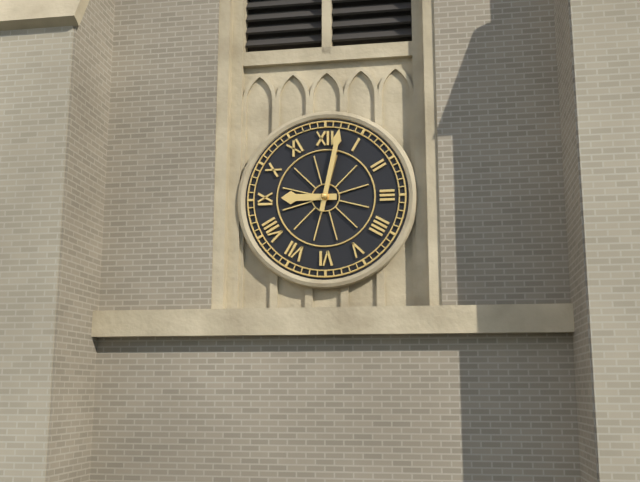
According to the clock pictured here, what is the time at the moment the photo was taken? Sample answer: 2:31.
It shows 9:02
